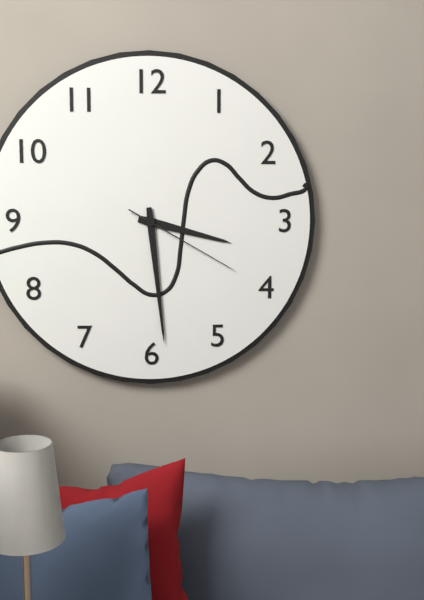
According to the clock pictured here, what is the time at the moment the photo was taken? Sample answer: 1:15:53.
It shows 3:29:20
